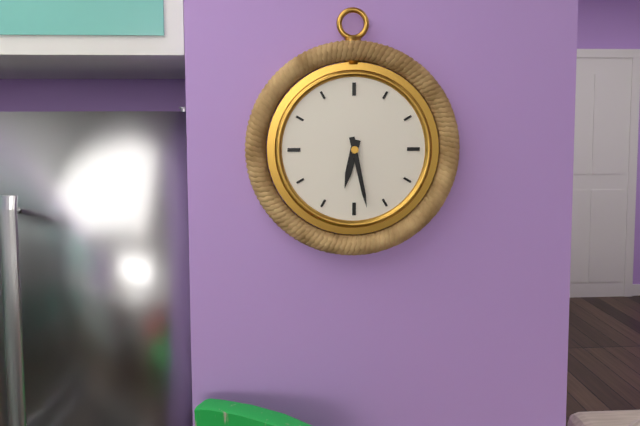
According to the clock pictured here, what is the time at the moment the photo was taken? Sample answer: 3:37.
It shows 6:28
